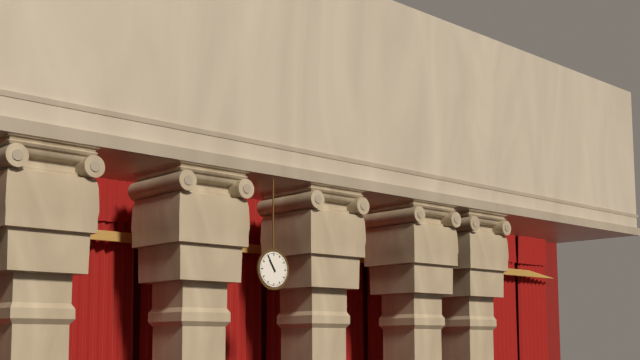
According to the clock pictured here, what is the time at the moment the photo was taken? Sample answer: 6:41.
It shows 10:55
